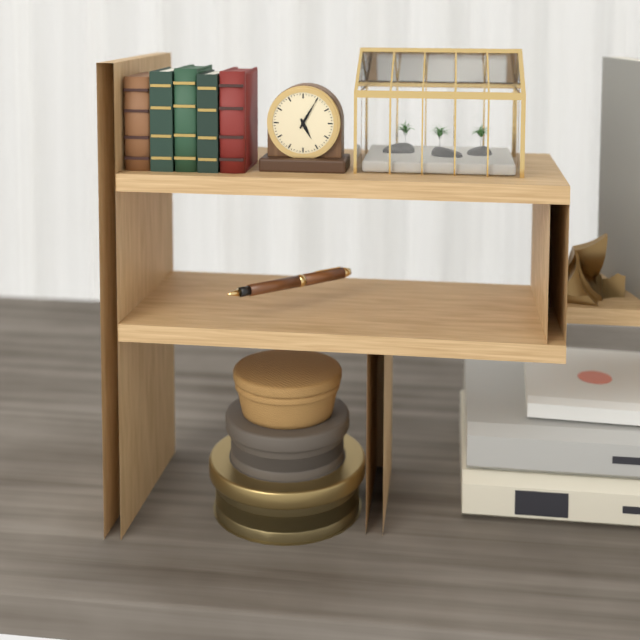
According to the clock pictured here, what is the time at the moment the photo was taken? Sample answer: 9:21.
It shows 5:05
